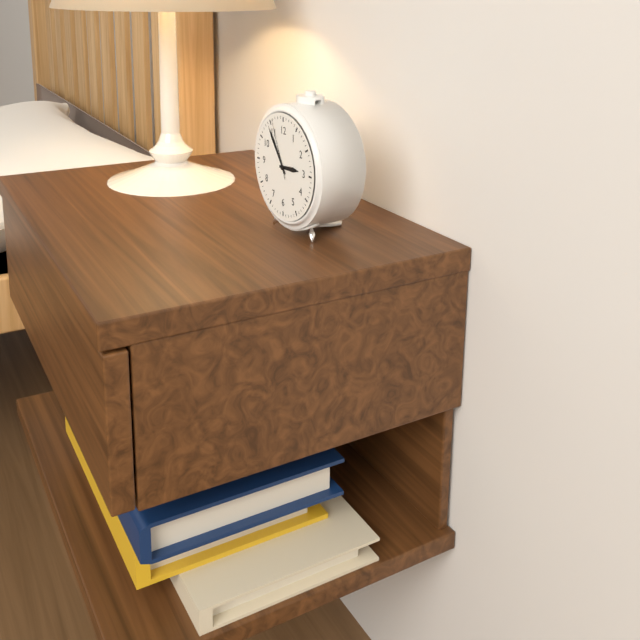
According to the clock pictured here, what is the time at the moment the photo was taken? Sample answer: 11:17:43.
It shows 2:54:56
